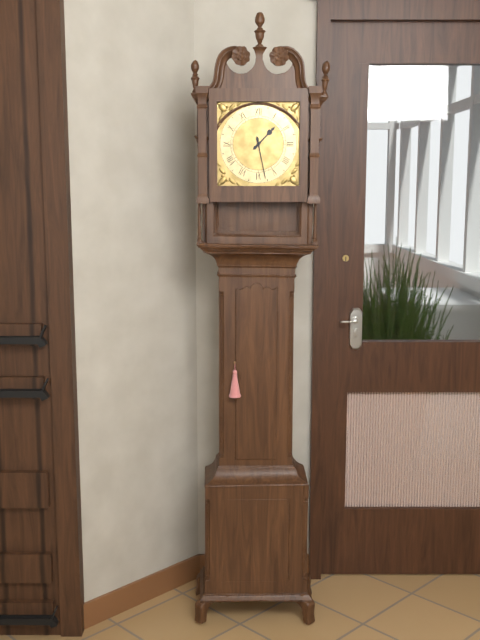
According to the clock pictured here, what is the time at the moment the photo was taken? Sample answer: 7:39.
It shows 1:28
